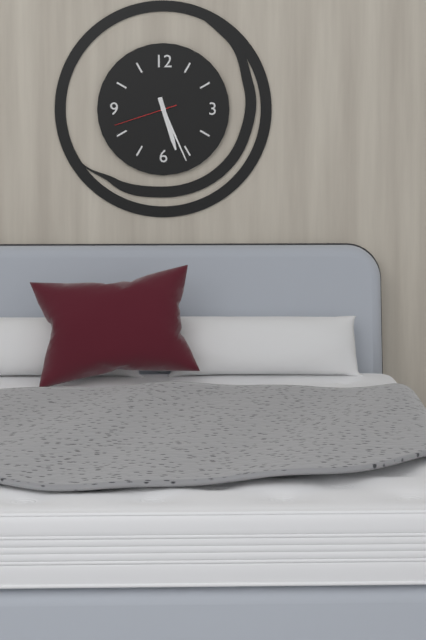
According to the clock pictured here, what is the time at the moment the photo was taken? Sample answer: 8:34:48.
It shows 5:26:42
